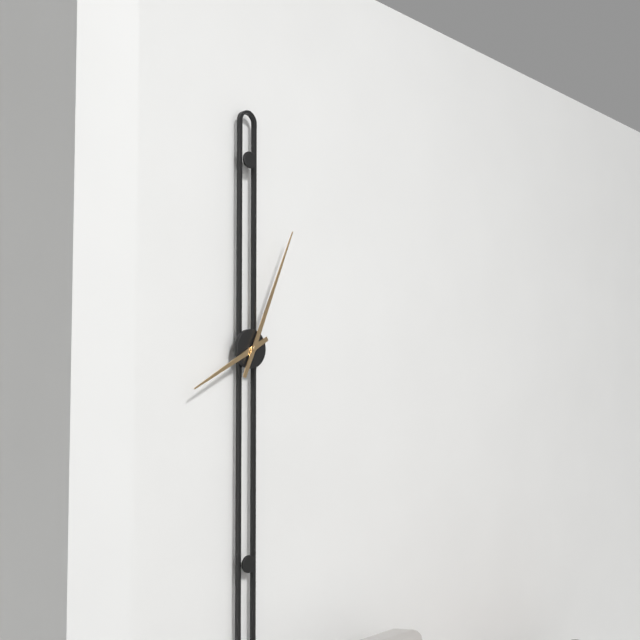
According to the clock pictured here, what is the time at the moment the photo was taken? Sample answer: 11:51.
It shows 8:04
